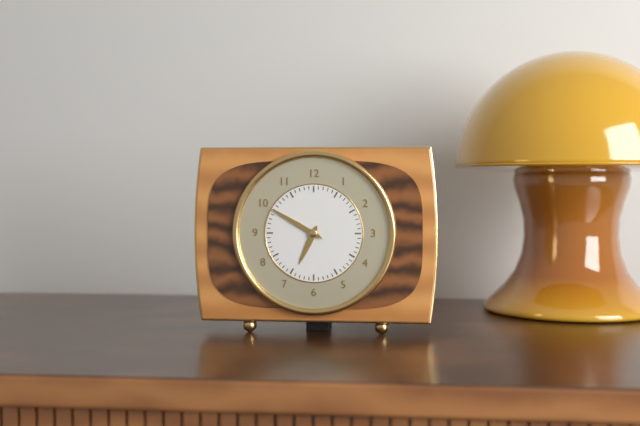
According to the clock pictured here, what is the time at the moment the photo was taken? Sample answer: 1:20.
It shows 6:50
